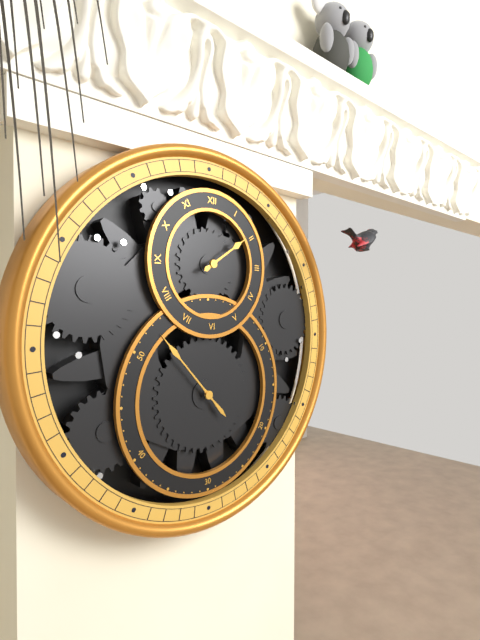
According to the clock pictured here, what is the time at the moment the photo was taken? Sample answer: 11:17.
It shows 1:53
